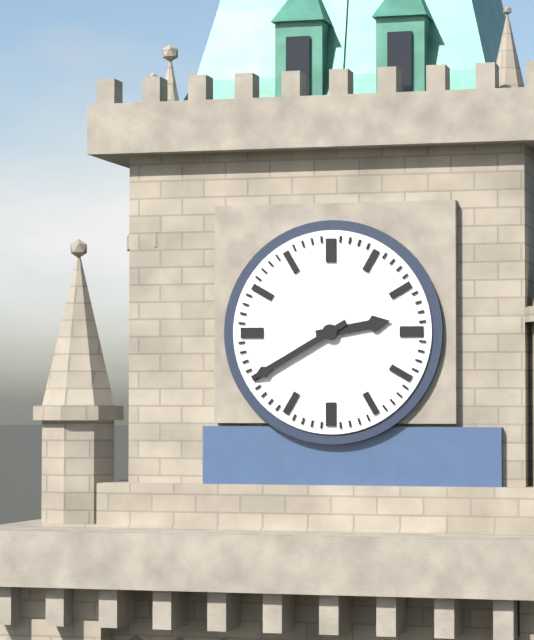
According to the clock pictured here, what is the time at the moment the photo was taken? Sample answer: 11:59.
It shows 2:40
